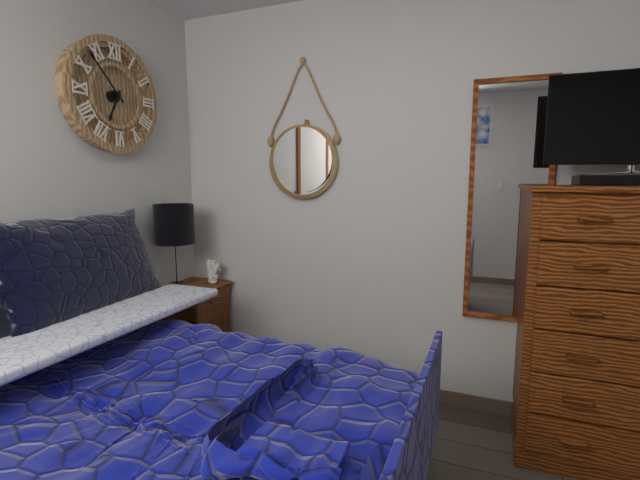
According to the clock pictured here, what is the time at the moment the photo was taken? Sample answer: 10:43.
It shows 6:53
